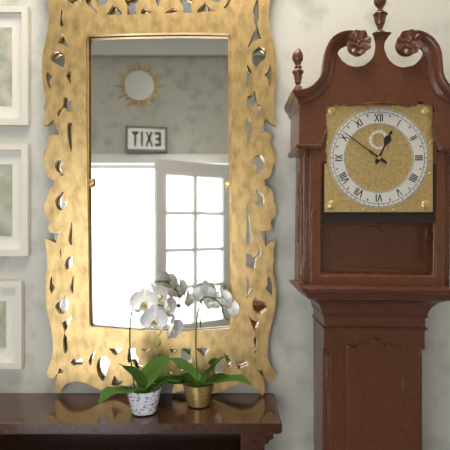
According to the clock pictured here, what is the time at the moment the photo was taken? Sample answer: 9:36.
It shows 12:51
